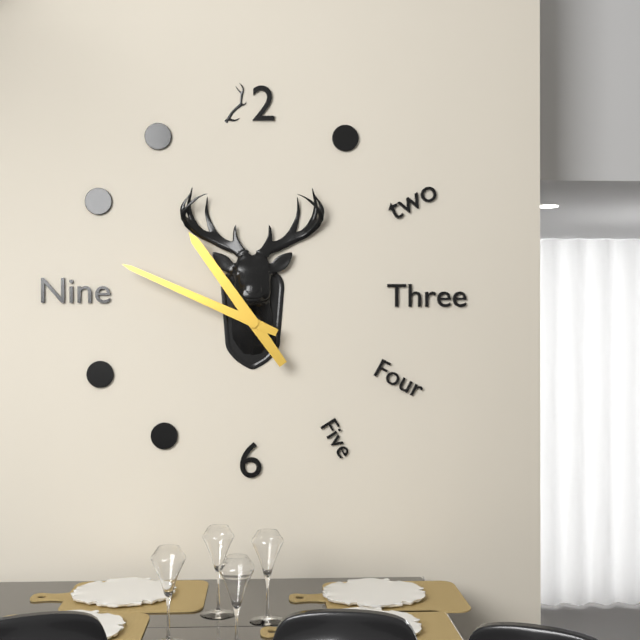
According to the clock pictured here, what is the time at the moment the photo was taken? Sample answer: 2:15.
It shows 10:49
